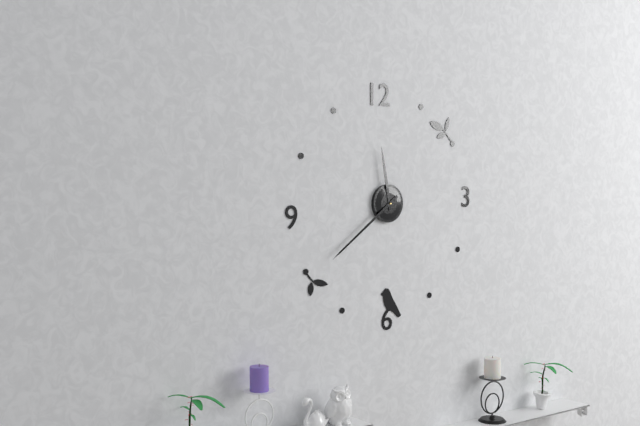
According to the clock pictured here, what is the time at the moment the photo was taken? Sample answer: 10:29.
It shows 11:39
